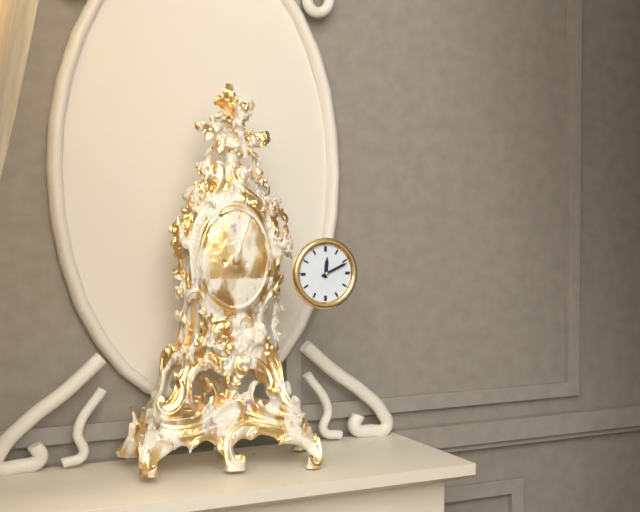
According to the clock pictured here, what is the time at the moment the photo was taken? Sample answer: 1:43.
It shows 12:11
